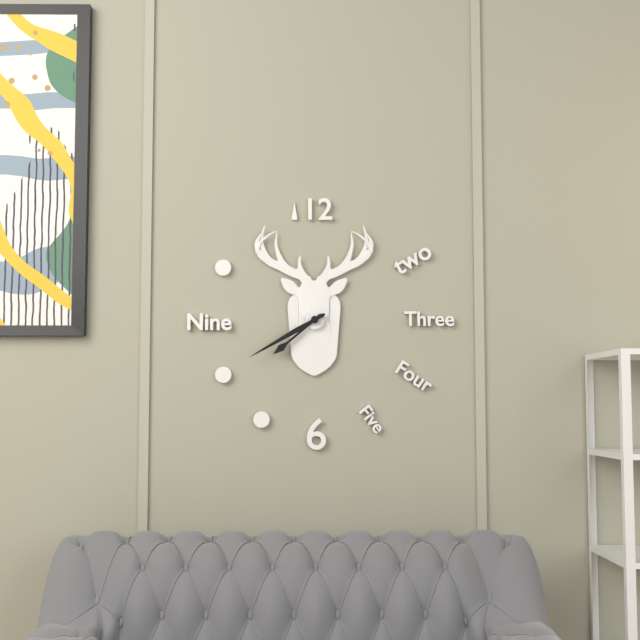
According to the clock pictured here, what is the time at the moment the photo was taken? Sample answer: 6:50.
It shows 7:40
